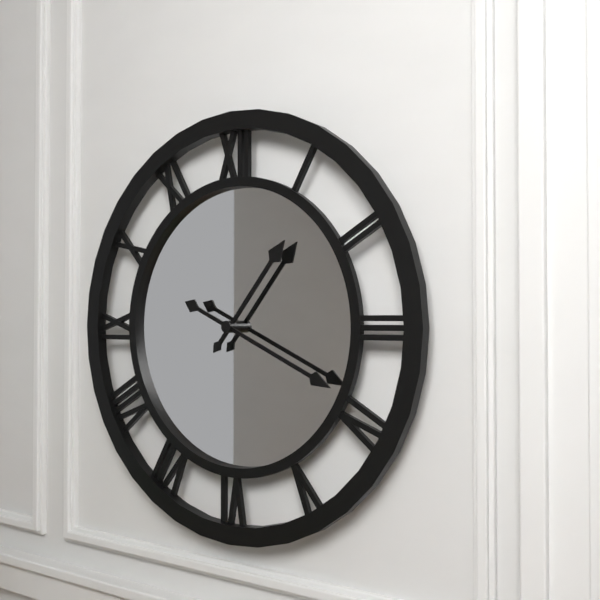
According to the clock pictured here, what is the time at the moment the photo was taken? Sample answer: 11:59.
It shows 1:19
